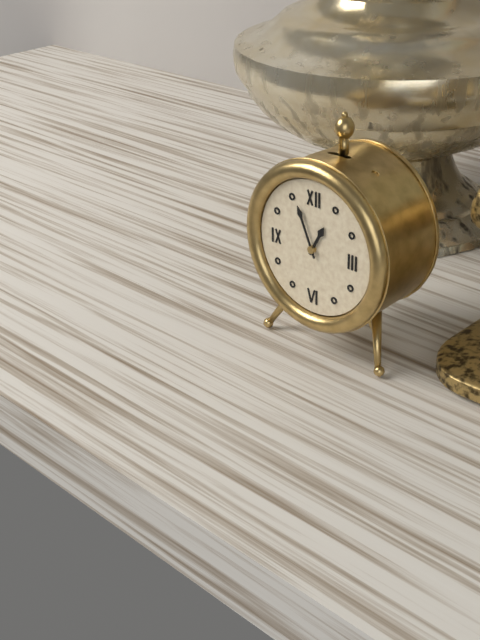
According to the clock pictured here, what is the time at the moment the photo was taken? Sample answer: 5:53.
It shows 12:56
